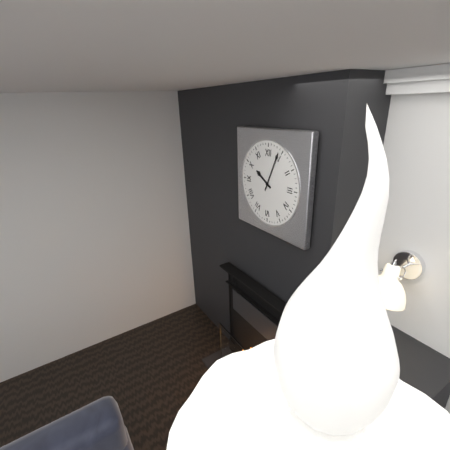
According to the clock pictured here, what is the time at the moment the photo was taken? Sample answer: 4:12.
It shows 10:04
